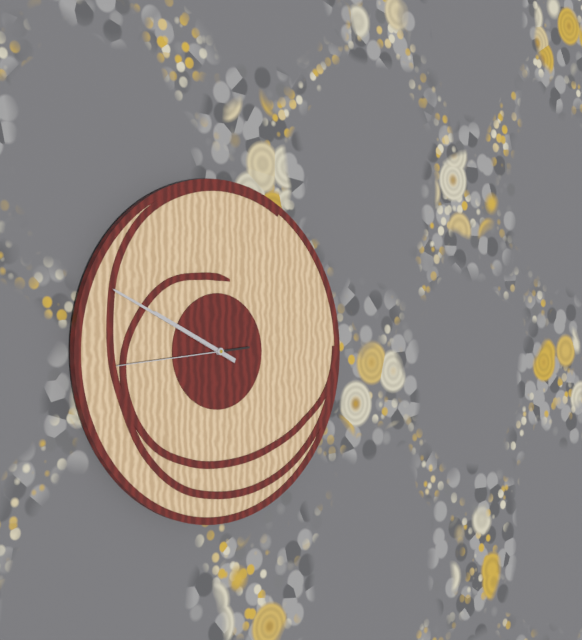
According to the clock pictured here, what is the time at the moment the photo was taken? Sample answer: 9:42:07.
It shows 9:49:44
